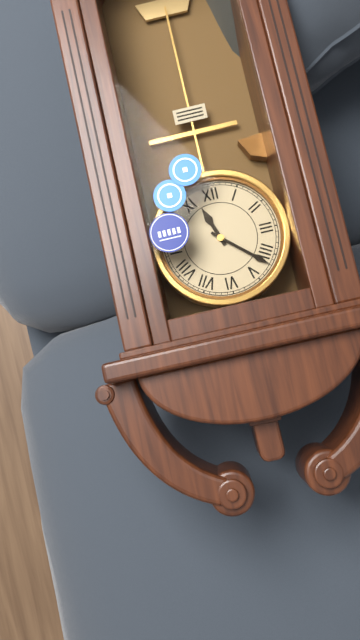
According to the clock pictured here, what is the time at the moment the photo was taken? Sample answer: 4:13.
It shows 11:22
